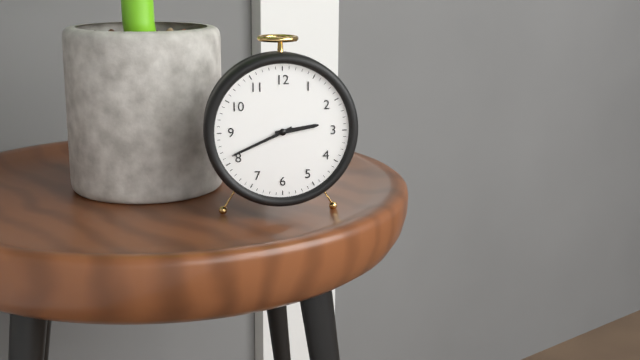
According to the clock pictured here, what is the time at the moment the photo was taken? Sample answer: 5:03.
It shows 2:41
